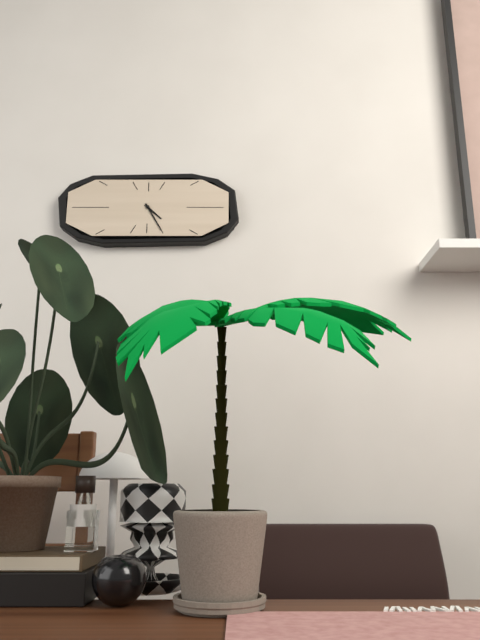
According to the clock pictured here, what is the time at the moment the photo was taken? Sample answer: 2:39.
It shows 4:25
